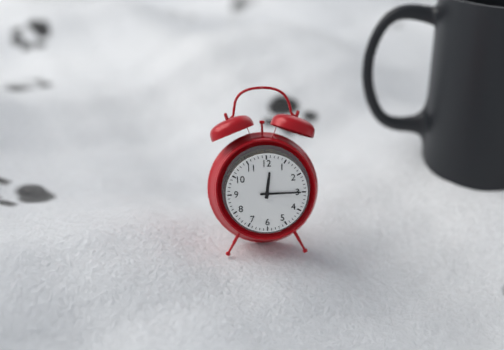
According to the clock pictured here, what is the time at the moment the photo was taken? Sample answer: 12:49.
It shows 12:15
